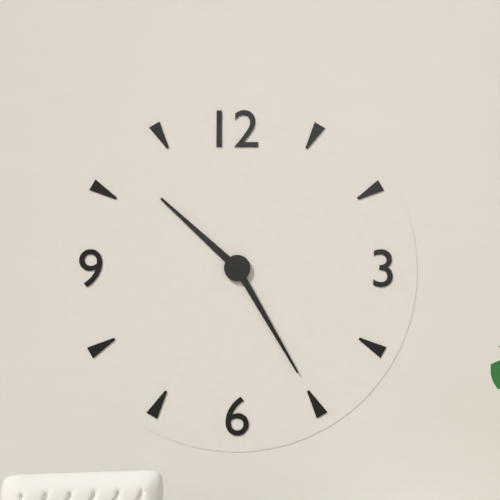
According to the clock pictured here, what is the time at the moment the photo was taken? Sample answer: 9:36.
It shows 10:25
